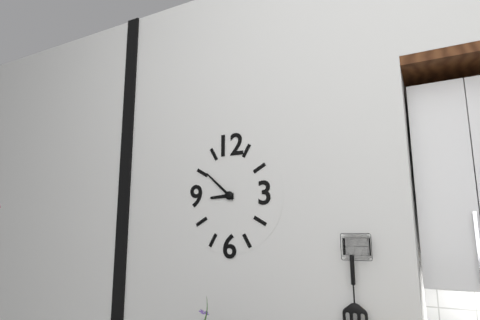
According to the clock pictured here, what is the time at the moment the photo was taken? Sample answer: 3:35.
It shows 8:52
